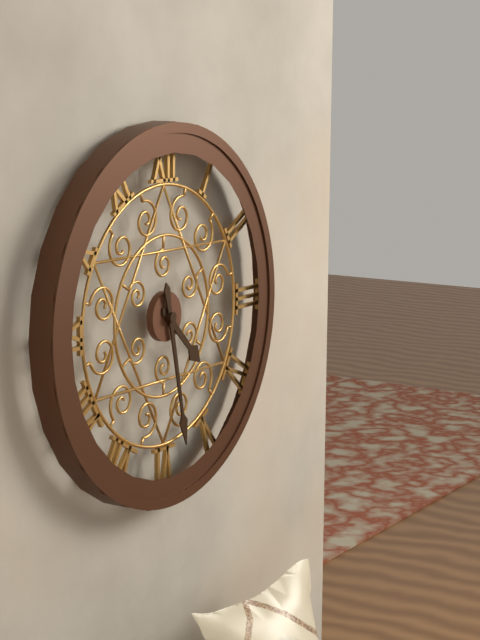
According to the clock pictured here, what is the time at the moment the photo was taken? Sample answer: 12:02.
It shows 4:28
